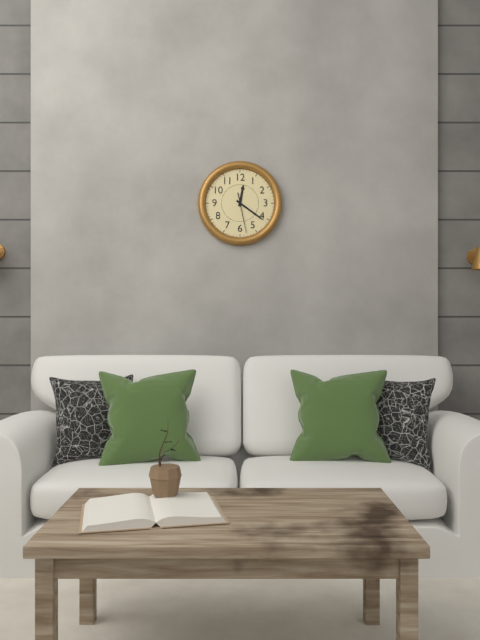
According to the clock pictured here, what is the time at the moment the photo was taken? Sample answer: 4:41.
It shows 12:21
